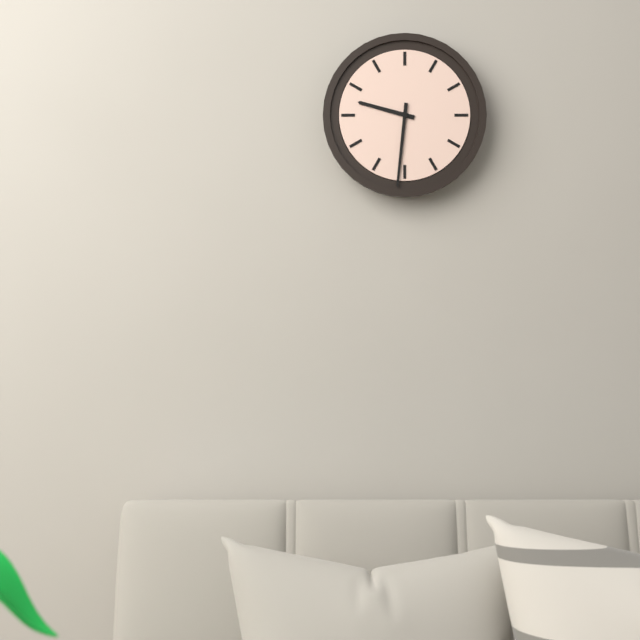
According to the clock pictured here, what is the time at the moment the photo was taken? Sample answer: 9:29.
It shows 9:31
